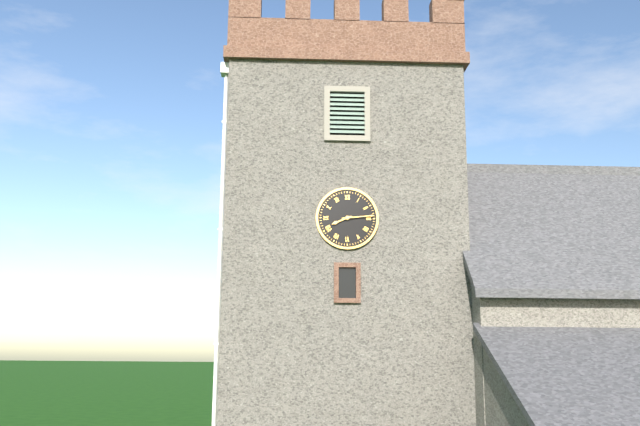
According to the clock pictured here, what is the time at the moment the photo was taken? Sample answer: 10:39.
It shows 8:14
